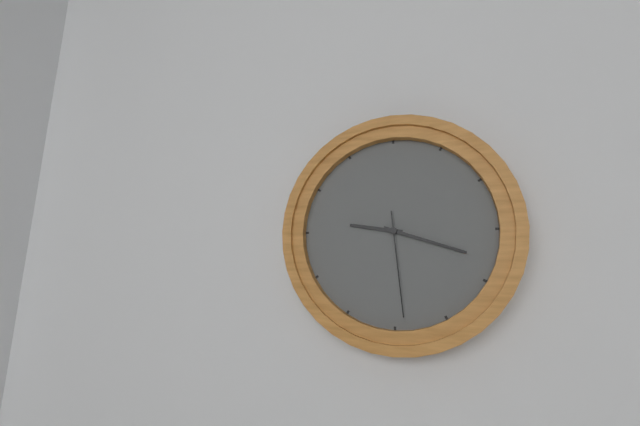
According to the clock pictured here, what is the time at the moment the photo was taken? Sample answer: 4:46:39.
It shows 9:18:29
